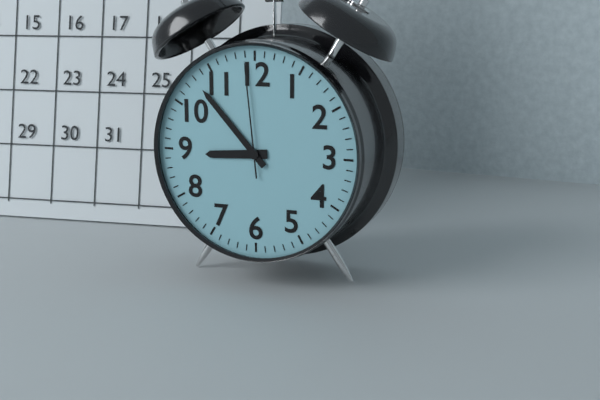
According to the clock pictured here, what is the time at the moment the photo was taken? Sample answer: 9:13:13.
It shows 8:53:59
